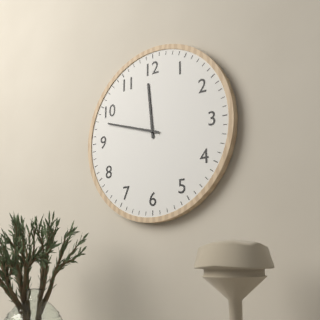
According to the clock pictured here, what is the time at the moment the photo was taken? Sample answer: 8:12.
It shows 11:48
